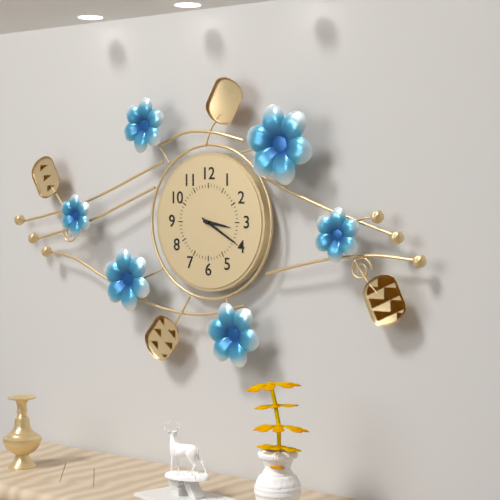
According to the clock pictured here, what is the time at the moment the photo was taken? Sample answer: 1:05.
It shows 3:20
